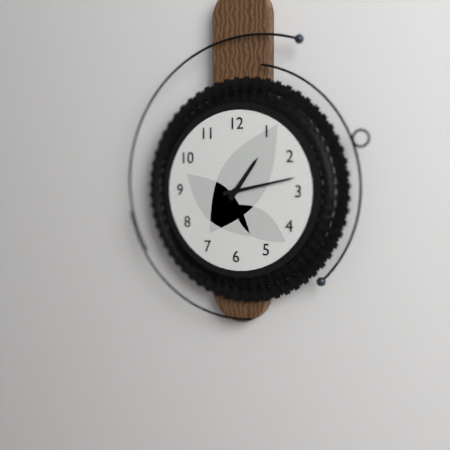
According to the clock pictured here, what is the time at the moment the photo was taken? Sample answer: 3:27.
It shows 1:13
